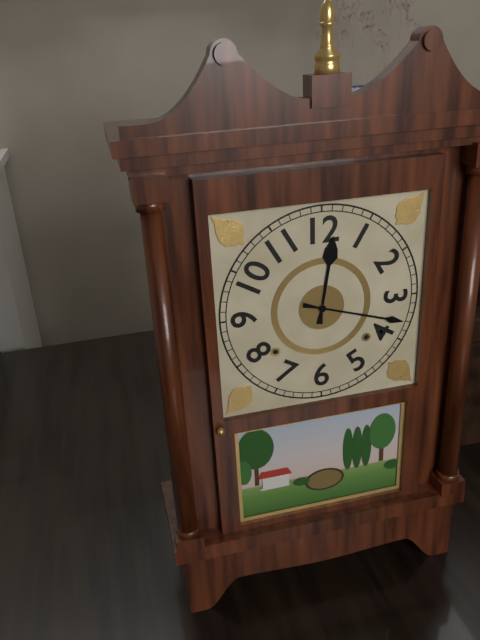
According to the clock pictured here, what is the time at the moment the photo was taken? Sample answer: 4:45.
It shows 12:18
